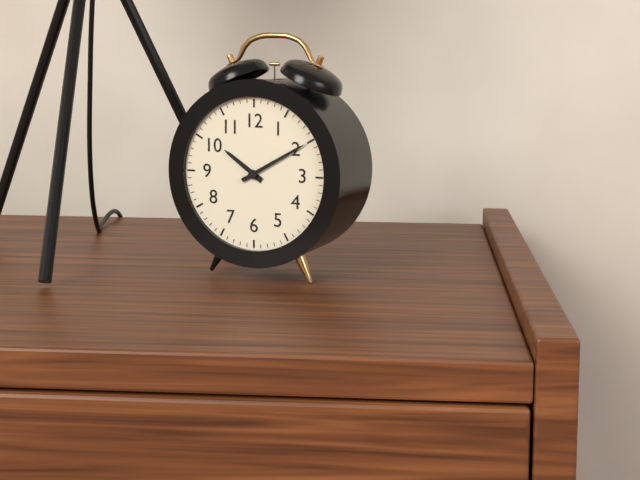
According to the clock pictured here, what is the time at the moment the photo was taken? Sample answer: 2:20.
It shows 10:10
